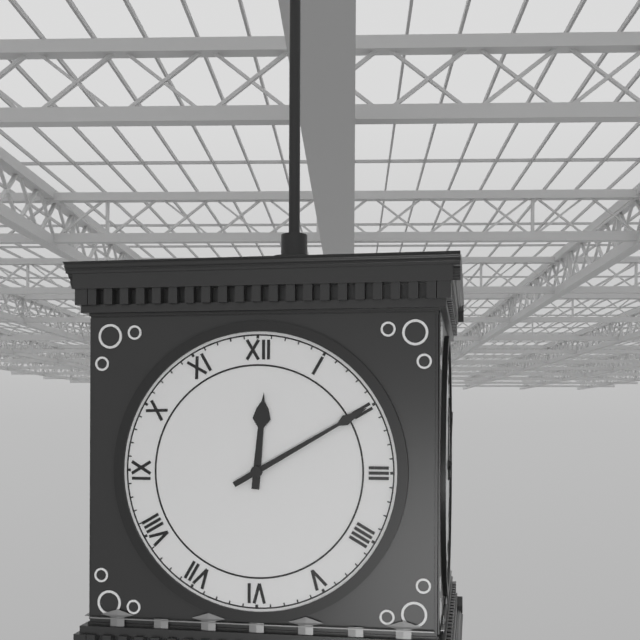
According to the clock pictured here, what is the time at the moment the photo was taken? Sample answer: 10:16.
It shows 12:10
